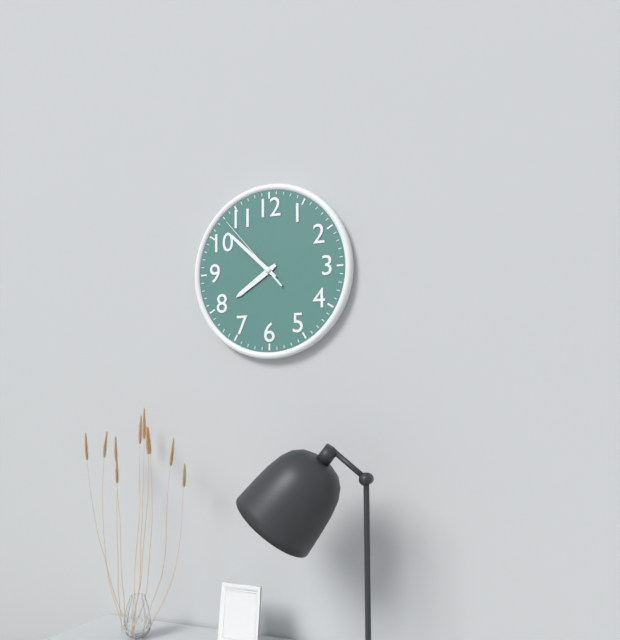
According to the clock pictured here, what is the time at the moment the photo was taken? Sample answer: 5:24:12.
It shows 7:52:53
